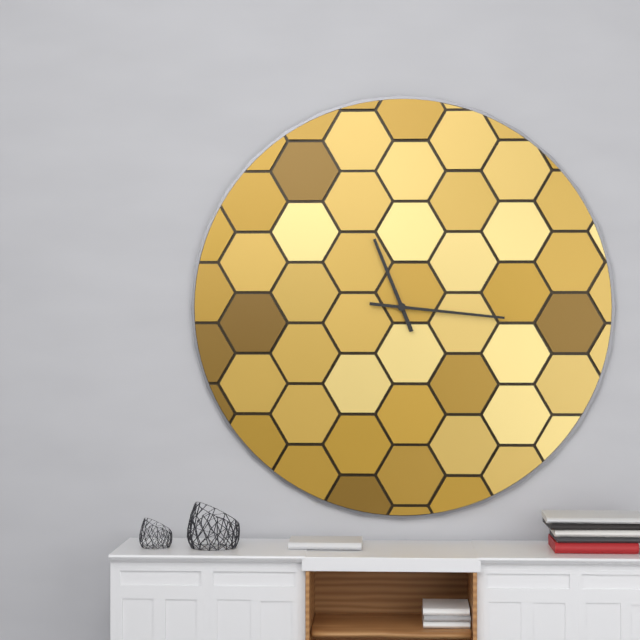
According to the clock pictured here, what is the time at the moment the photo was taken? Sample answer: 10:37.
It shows 11:16
